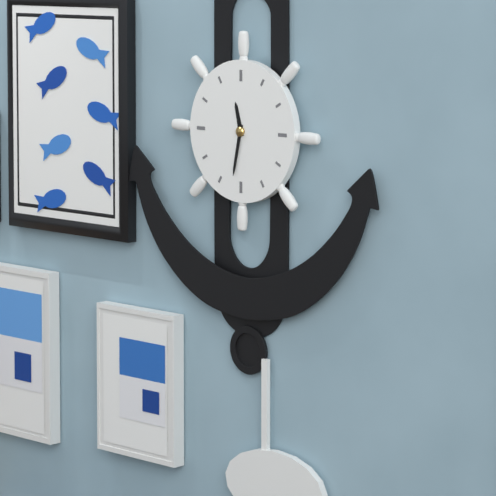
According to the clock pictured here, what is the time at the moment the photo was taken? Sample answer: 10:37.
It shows 11:32
